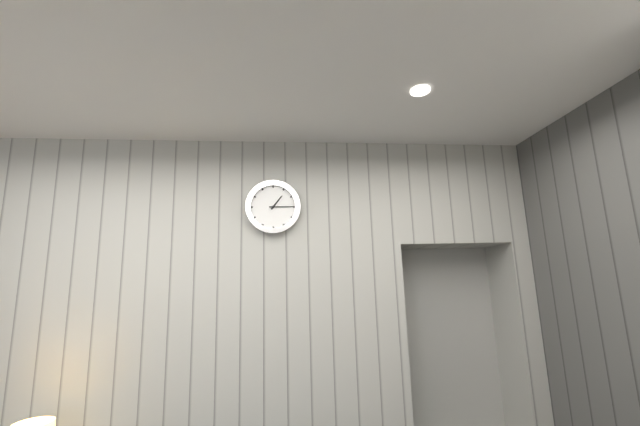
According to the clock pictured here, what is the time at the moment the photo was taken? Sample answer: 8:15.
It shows 1:15
